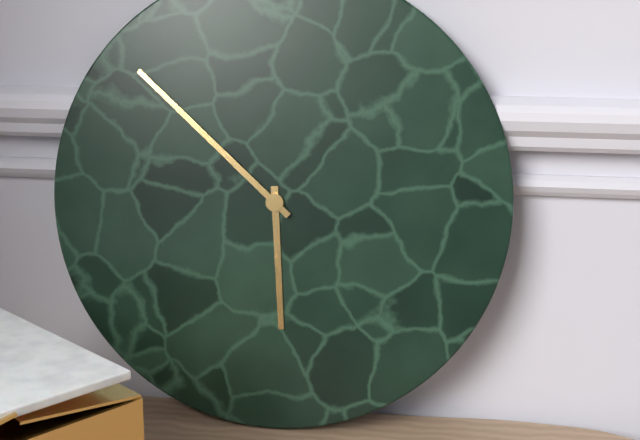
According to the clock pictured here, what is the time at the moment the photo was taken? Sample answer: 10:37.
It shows 5:52
